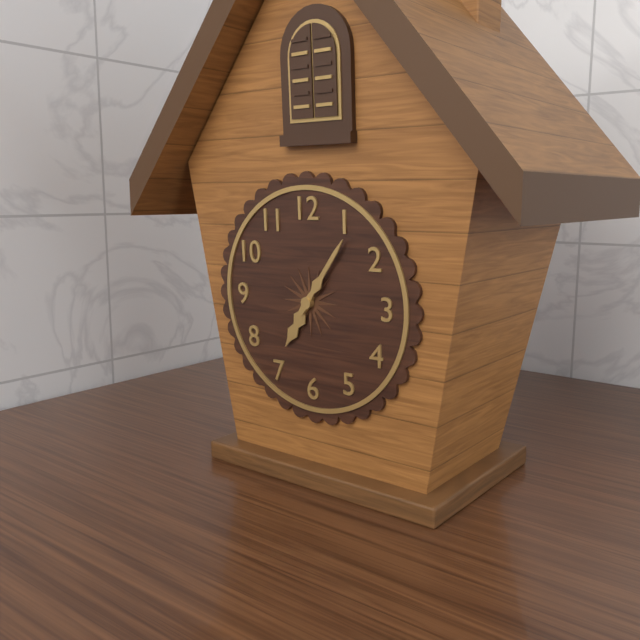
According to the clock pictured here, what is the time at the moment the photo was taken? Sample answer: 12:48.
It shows 7:06
